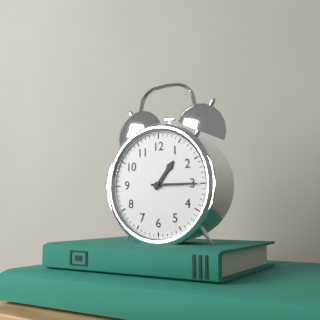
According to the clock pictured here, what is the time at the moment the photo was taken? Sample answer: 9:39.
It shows 1:15
